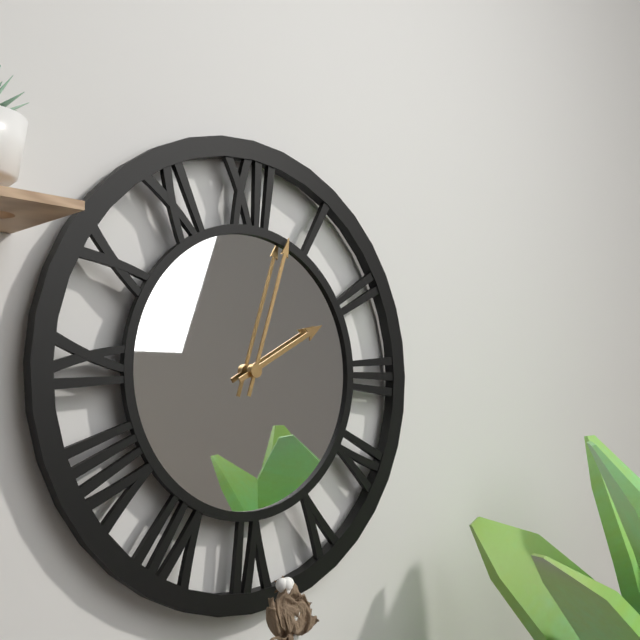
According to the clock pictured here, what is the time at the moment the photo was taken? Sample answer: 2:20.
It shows 2:03
